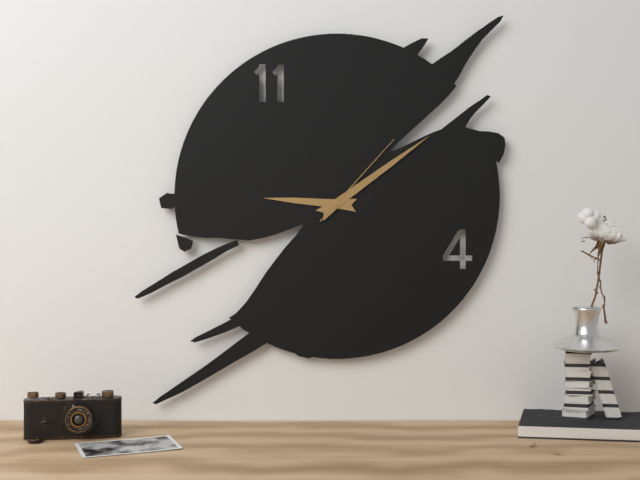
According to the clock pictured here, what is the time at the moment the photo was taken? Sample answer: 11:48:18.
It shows 9:09:07
